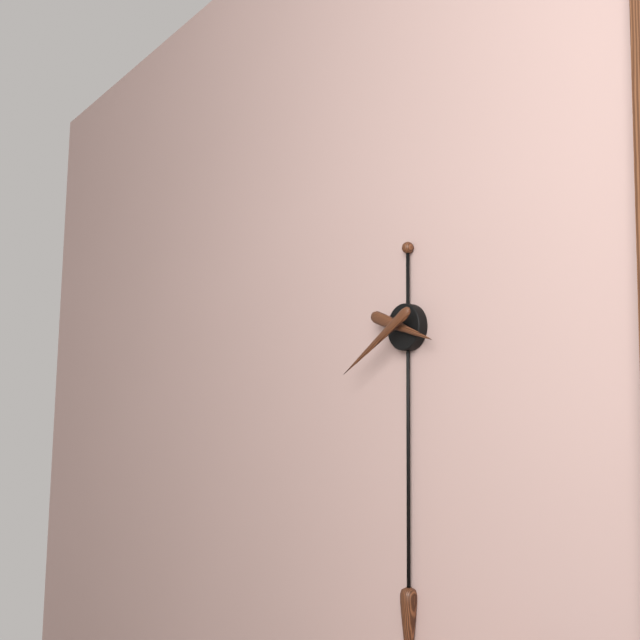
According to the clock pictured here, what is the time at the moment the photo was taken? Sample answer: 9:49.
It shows 3:40
